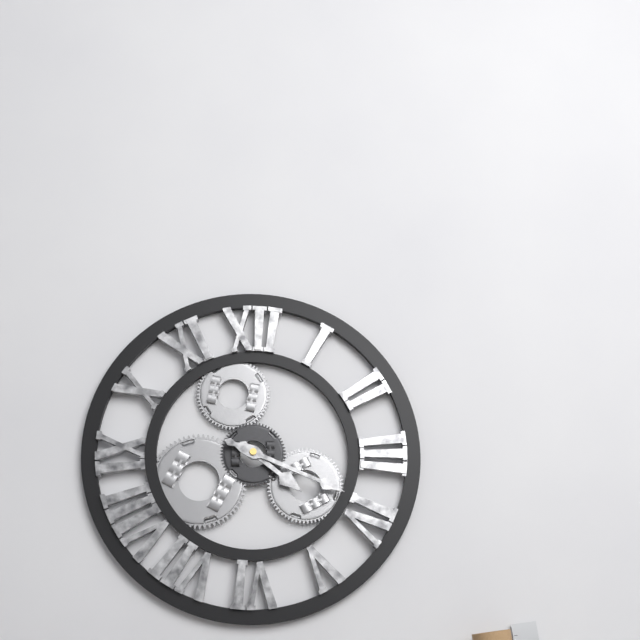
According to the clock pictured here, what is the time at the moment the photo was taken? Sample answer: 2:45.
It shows 4:19
